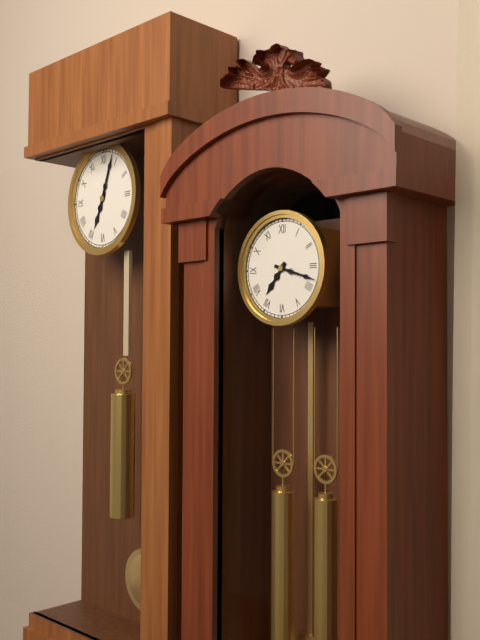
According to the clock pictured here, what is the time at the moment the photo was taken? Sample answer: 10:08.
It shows 7:18
